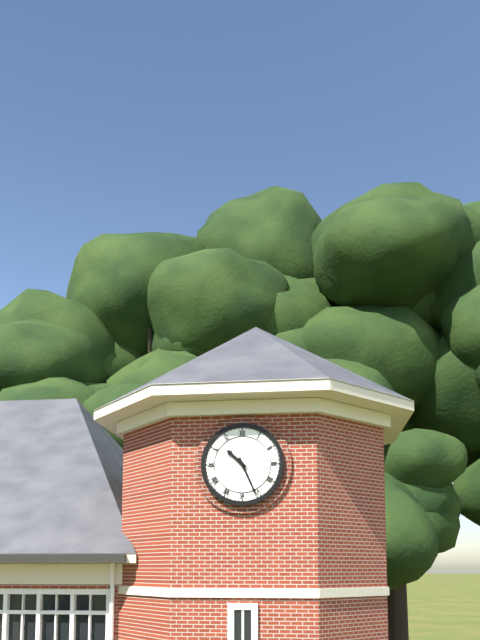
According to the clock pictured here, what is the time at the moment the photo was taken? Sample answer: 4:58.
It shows 10:26
